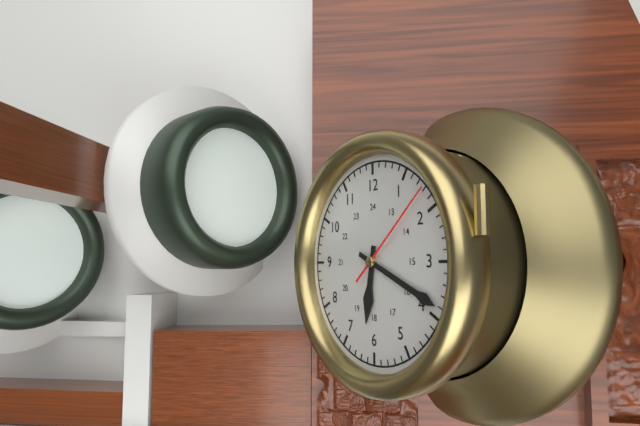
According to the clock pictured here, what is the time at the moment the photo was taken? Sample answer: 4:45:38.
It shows 6:19:08
